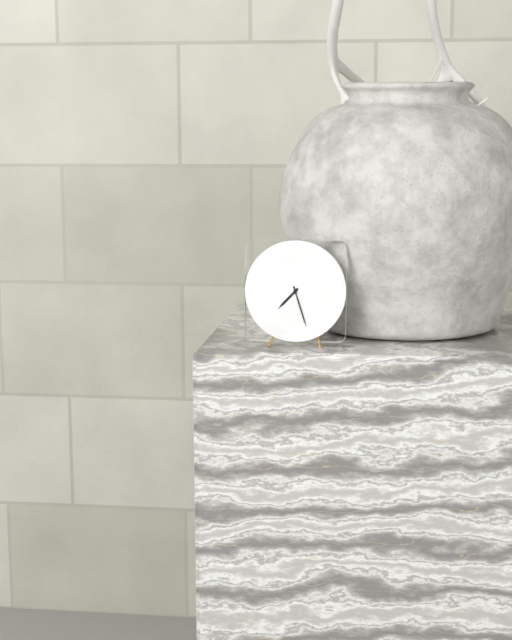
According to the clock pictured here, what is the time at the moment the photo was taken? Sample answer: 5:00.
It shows 7:27
